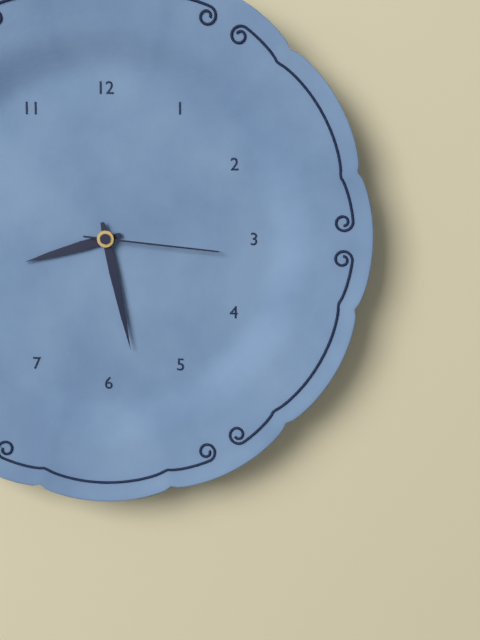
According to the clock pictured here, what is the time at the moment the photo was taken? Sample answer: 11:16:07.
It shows 8:28:16
